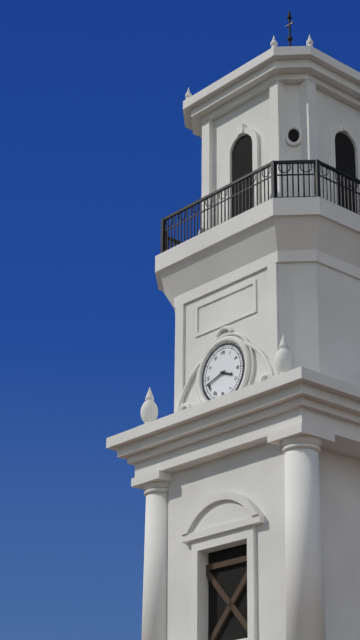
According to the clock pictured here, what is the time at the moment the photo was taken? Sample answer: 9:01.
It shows 3:42
